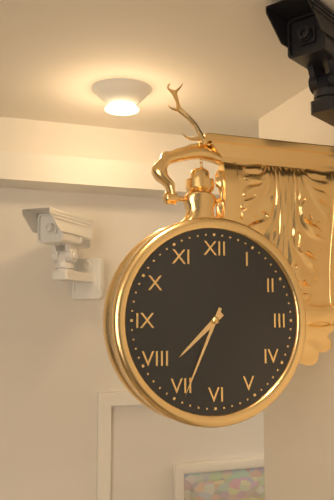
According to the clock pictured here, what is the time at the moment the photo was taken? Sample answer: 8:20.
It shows 7:34
